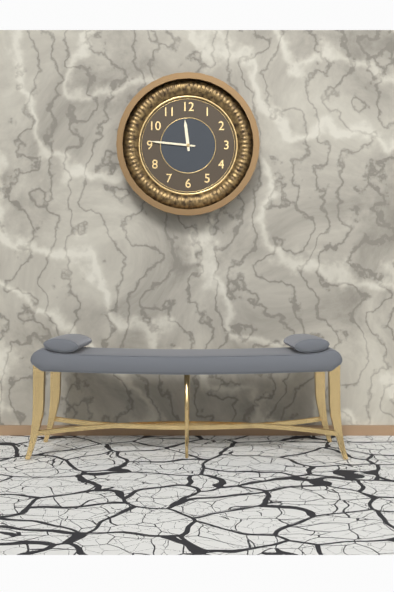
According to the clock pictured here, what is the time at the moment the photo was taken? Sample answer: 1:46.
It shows 11:46
